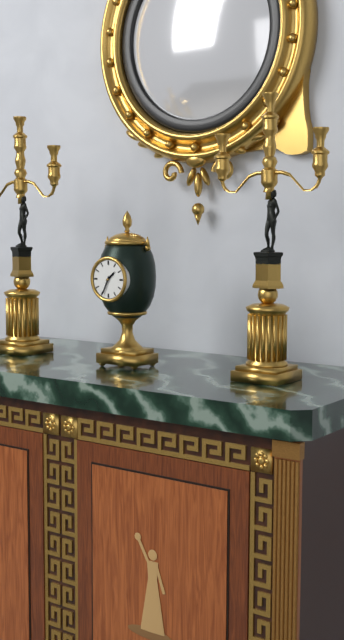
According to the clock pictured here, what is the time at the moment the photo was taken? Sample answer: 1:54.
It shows 1:34
